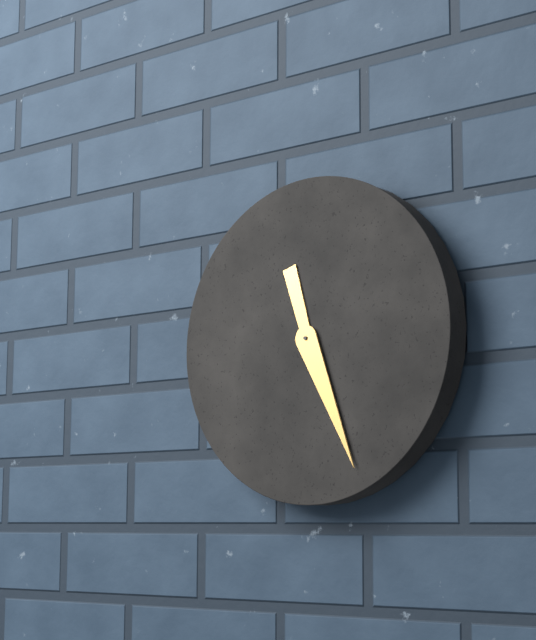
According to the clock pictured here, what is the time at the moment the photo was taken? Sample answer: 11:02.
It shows 11:26
